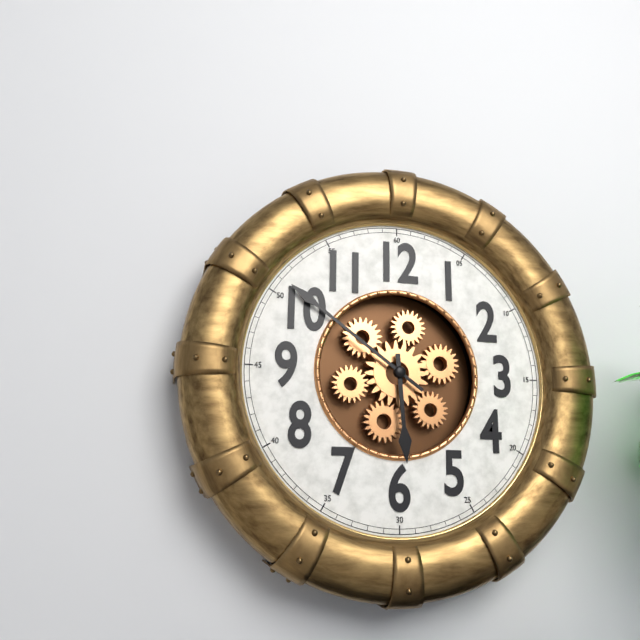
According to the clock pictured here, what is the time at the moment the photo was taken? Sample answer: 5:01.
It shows 5:51
